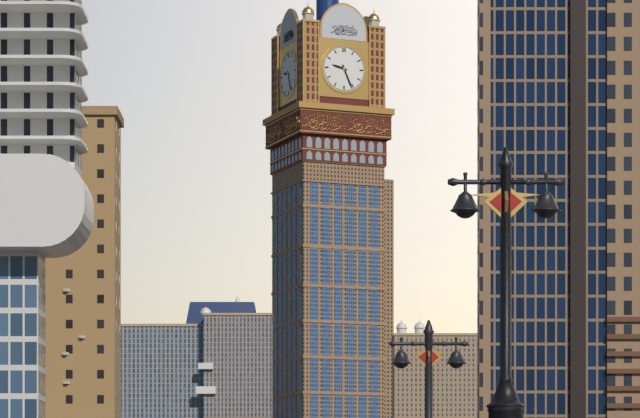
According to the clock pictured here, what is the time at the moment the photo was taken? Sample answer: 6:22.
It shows 9:26
